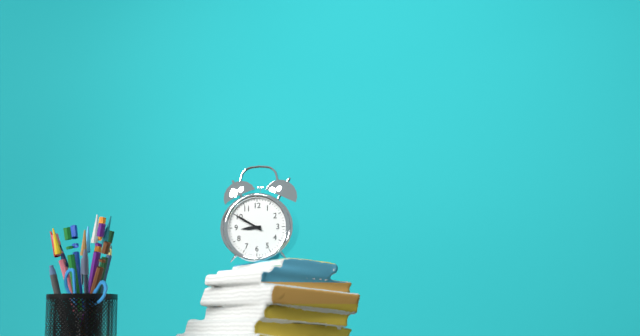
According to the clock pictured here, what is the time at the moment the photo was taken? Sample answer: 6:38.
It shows 8:50
